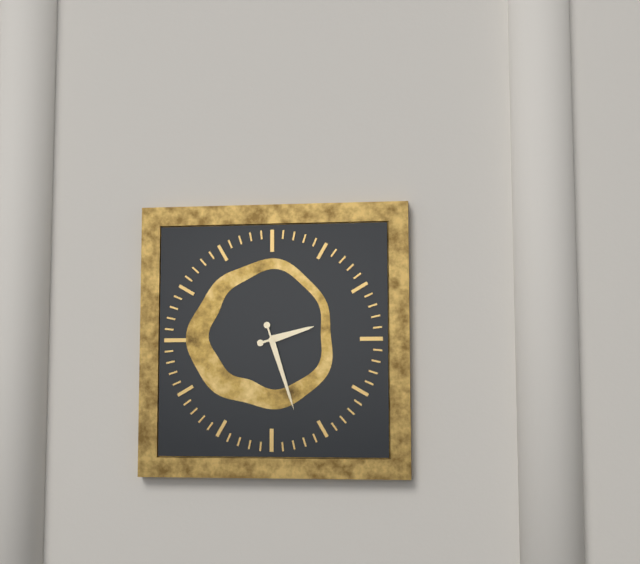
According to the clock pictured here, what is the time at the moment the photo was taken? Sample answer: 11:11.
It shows 2:27
